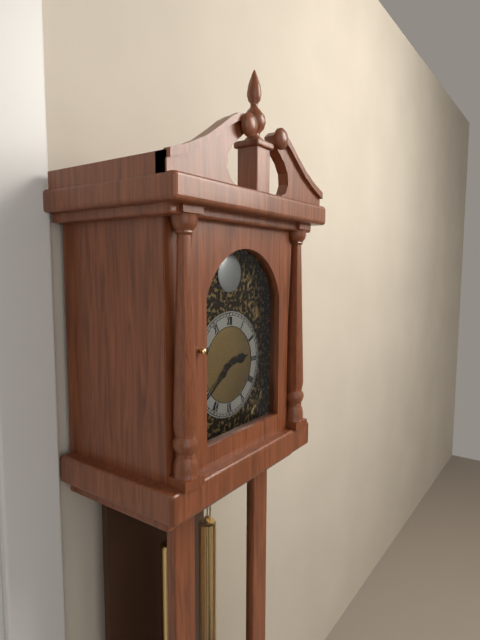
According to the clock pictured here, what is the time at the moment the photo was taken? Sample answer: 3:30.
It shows 2:39
